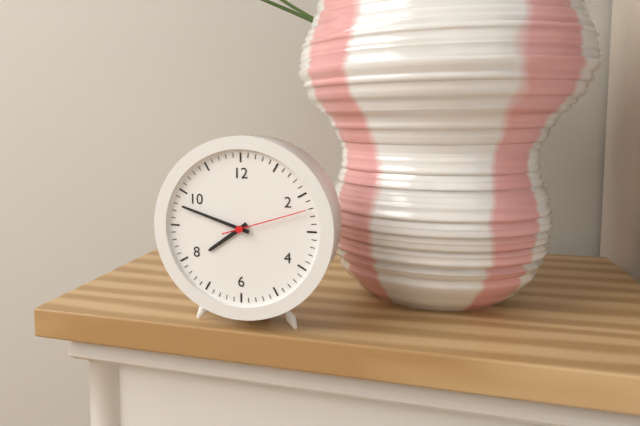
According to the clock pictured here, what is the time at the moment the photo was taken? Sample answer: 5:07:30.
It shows 7:48:12
